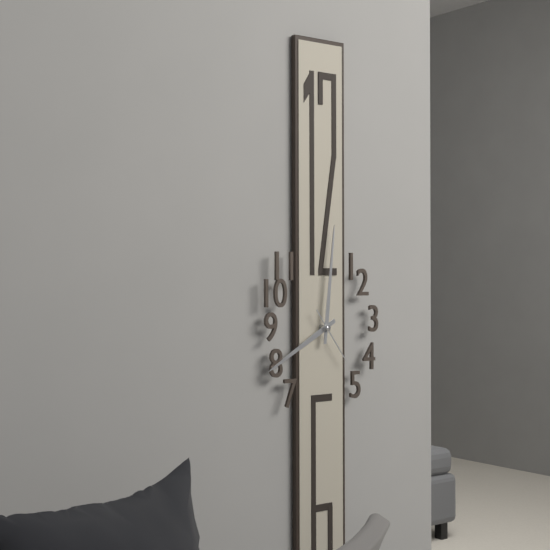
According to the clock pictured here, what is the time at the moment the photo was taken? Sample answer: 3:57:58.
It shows 8:01:24
